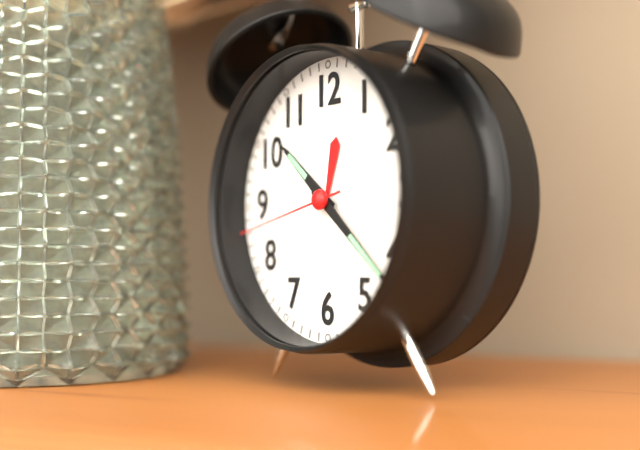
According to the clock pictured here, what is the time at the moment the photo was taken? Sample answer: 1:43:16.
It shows 10:22:43
